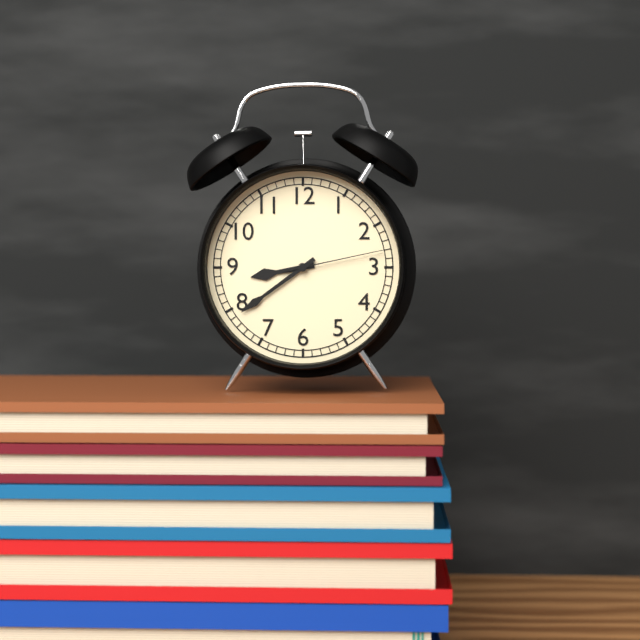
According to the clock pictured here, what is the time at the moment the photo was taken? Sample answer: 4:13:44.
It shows 8:39:13
